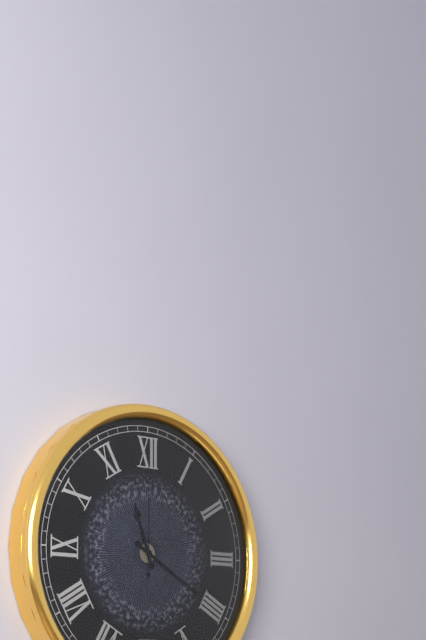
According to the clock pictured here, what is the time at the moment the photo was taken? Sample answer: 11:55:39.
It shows 11:20:00
